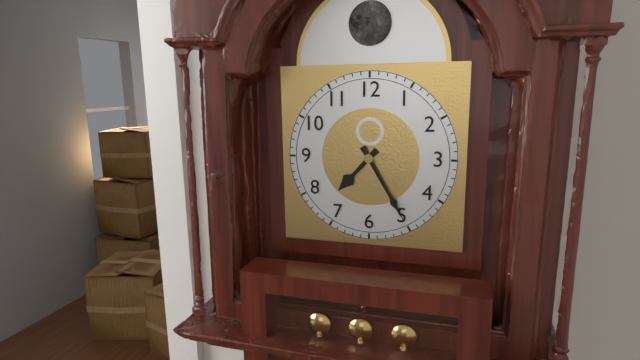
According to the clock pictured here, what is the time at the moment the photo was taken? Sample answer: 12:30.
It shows 7:25
